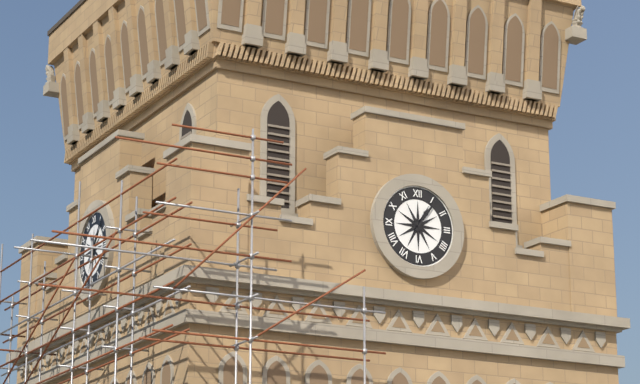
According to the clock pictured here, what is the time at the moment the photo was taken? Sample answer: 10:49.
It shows 1:06
